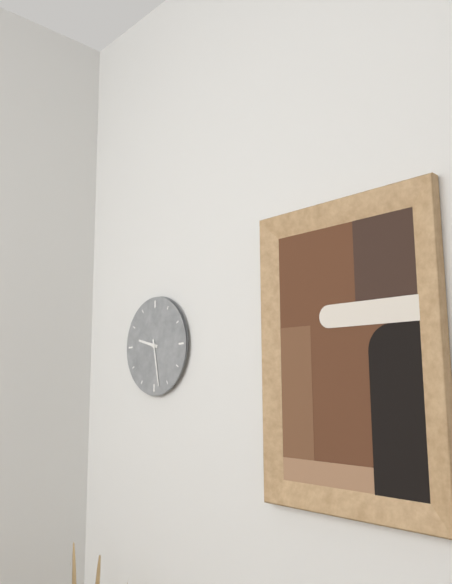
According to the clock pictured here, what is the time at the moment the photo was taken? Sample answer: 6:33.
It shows 9:28
